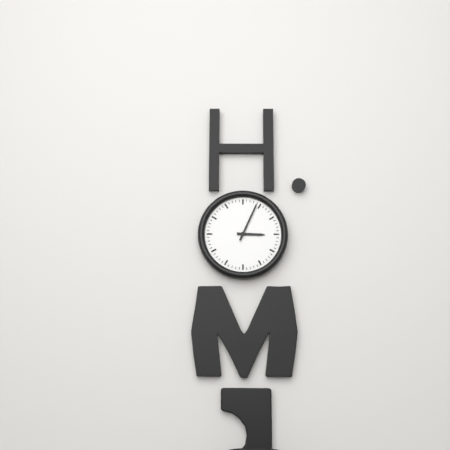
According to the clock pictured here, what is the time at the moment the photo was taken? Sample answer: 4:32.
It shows 3:04
